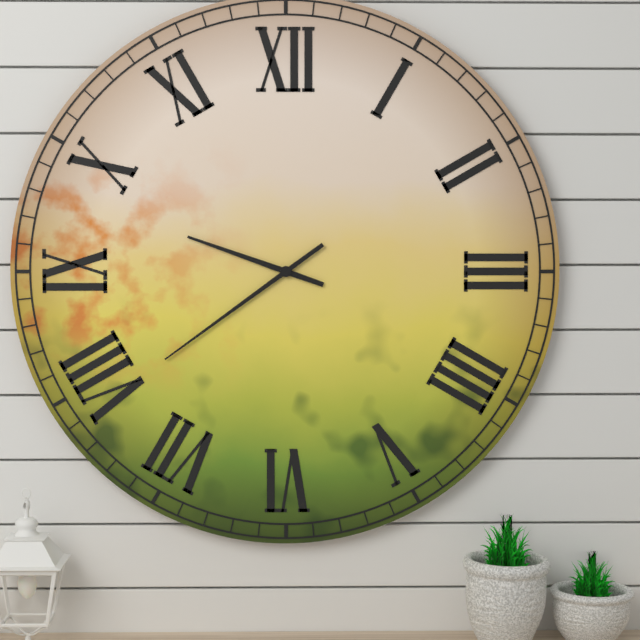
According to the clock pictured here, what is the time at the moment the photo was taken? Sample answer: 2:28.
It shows 9:39
